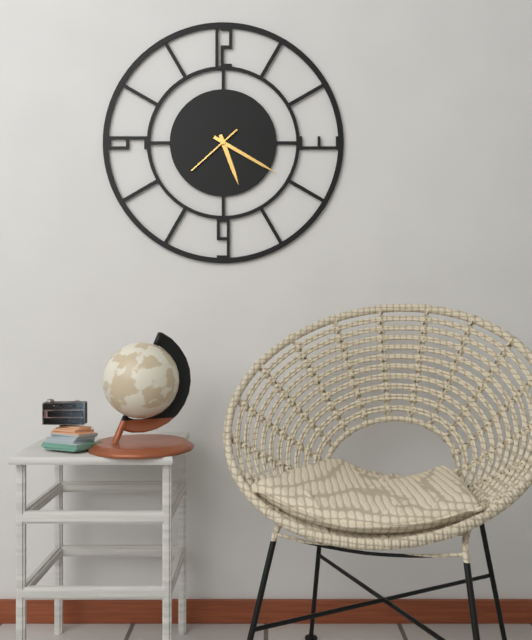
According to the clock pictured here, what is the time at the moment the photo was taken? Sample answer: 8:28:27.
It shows 5:20:38
